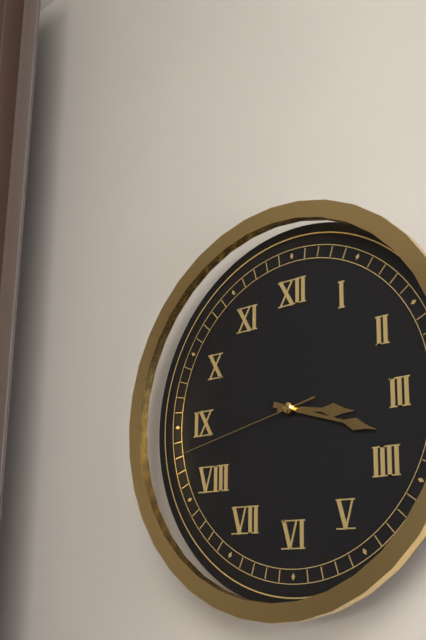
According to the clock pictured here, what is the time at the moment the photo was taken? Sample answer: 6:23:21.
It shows 3:18:43
